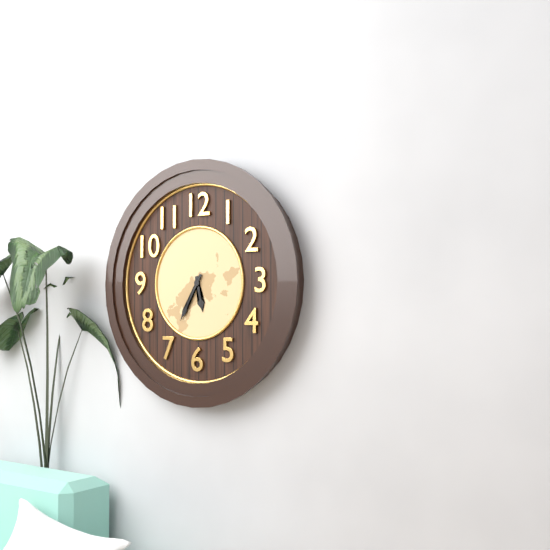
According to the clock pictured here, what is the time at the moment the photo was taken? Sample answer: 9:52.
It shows 5:35
